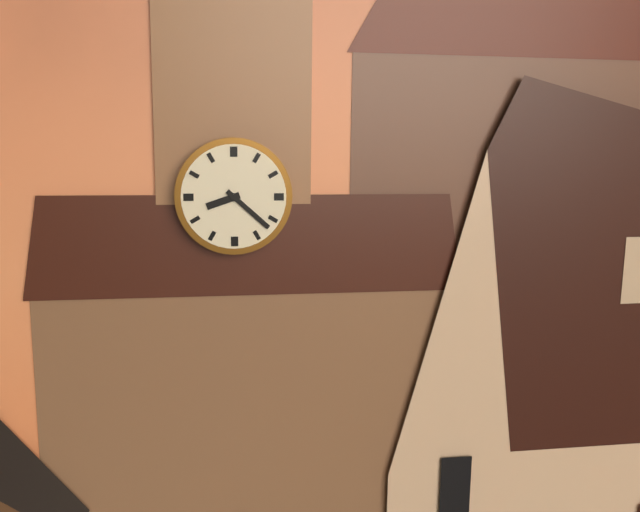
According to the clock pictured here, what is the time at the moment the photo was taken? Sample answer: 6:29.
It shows 8:22
